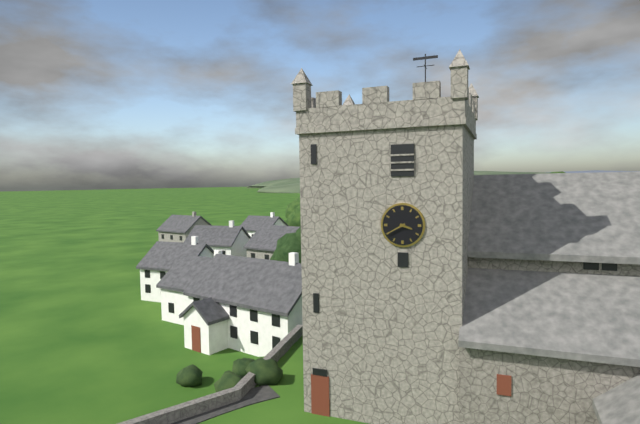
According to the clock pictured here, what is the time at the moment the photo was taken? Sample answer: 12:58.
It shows 3:40
